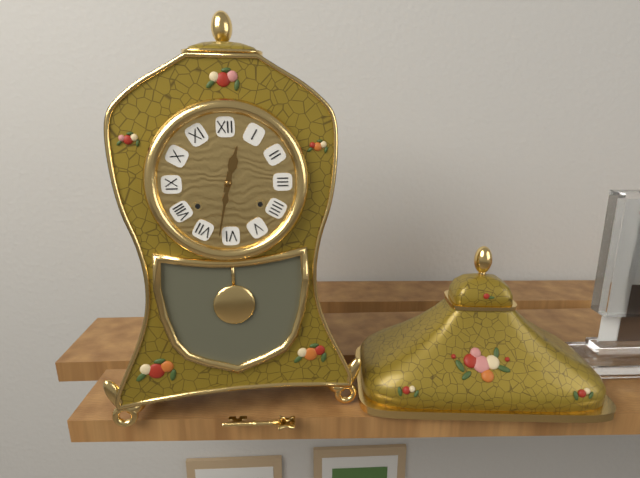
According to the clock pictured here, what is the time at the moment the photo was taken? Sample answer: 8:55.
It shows 12:32
